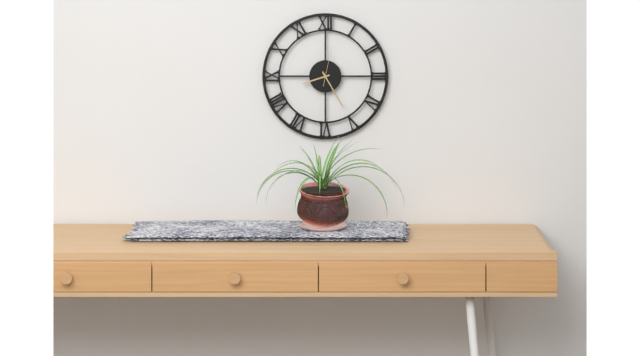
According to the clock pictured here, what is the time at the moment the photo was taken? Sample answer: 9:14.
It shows 8:25
